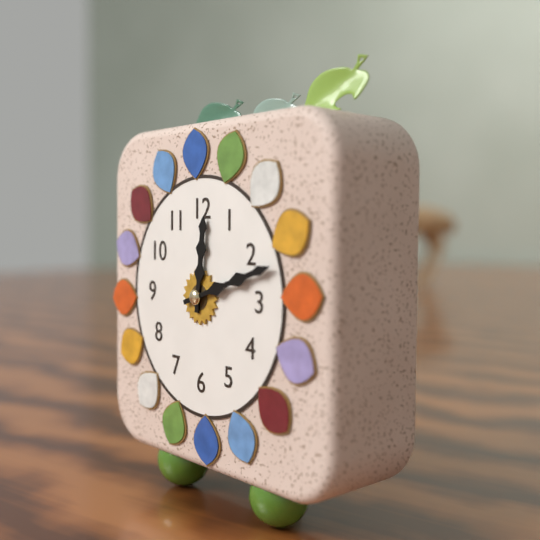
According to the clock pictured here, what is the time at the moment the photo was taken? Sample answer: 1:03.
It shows 12:12
